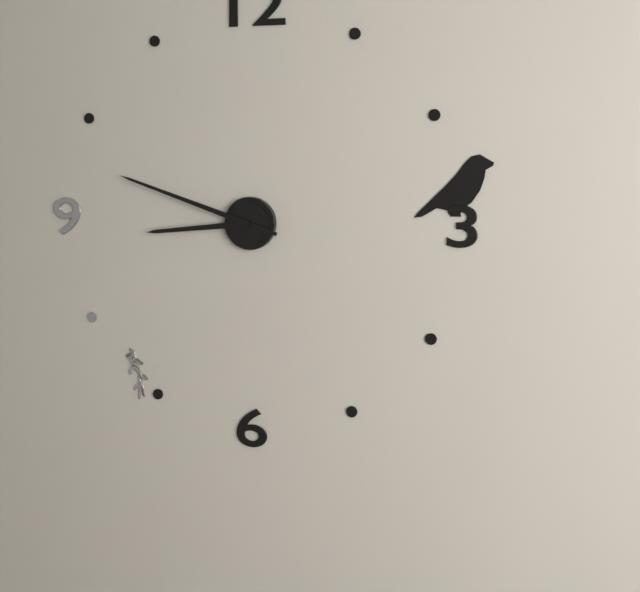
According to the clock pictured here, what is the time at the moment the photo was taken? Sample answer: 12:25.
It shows 8:48
